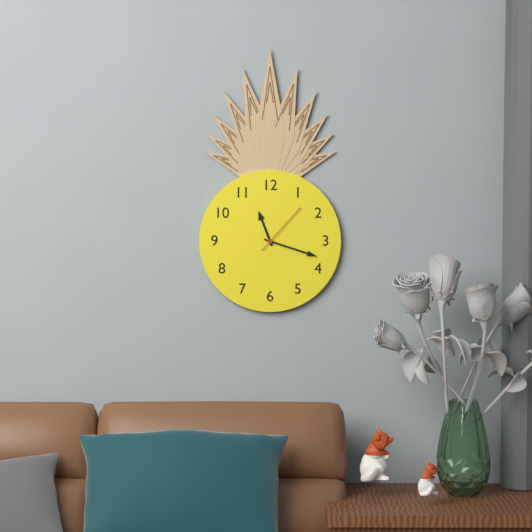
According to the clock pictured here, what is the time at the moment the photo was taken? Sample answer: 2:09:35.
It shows 11:18:07
